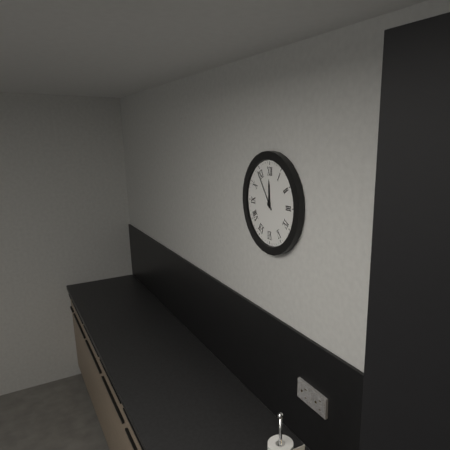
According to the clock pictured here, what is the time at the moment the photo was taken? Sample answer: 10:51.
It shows 11:54
